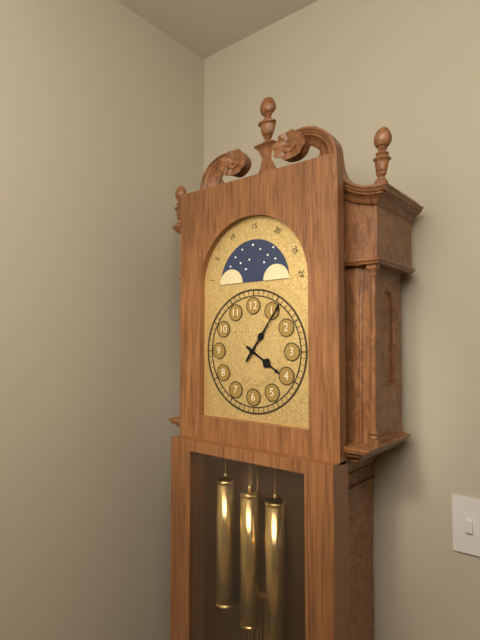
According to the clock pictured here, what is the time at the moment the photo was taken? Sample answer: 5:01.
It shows 4:06
